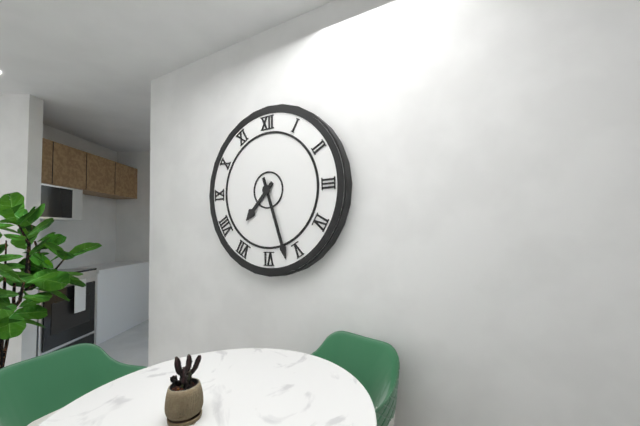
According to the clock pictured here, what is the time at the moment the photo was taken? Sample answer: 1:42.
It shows 7:27
